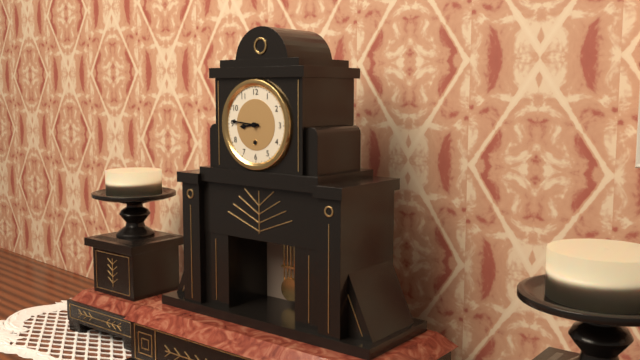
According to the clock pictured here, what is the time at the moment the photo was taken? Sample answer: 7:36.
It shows 8:46
